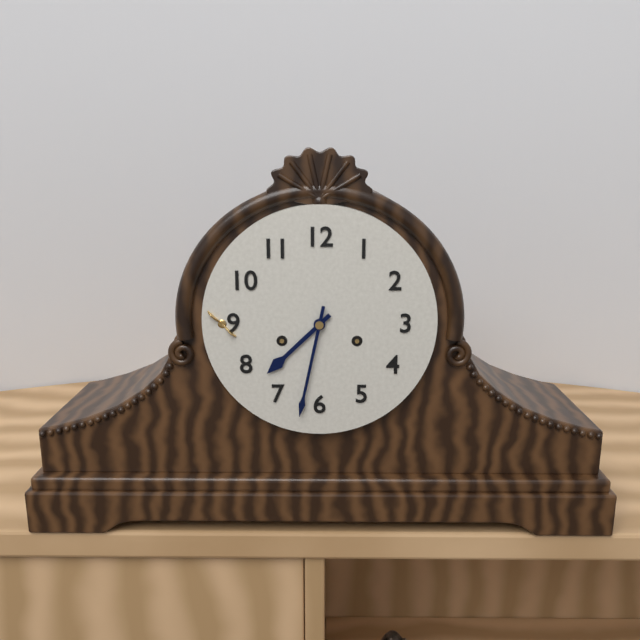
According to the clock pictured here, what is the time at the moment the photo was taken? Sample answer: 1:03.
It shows 7:32
